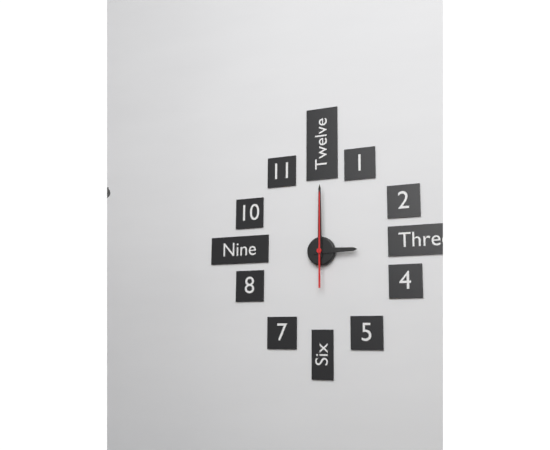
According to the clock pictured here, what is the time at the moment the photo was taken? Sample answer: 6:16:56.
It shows 3:00:00
